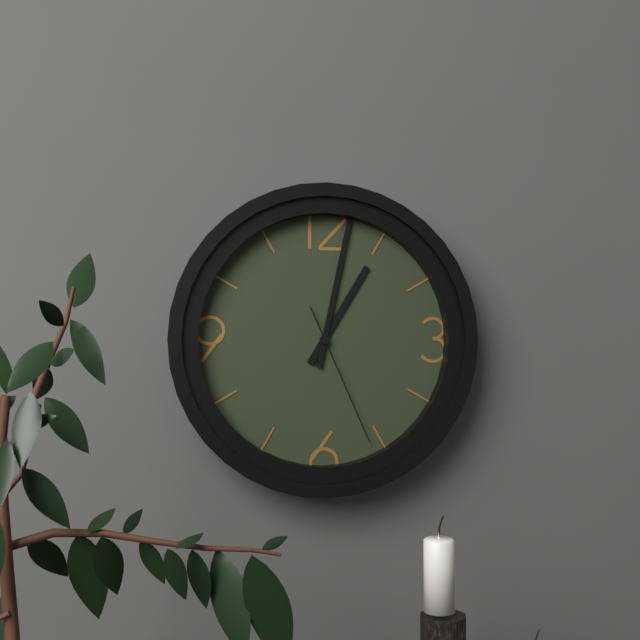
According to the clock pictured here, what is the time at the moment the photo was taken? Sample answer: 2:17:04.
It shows 1:02:26
